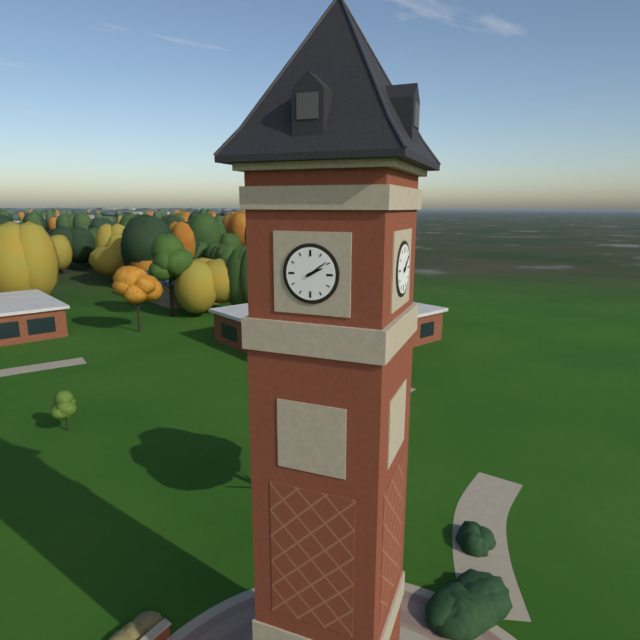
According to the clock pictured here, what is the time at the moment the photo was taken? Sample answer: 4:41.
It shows 2:09
